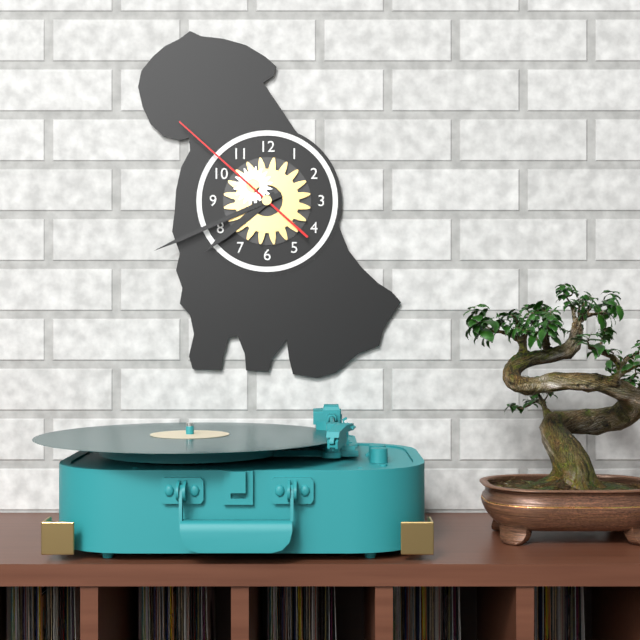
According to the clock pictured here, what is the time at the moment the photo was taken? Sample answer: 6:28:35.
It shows 7:41:52
